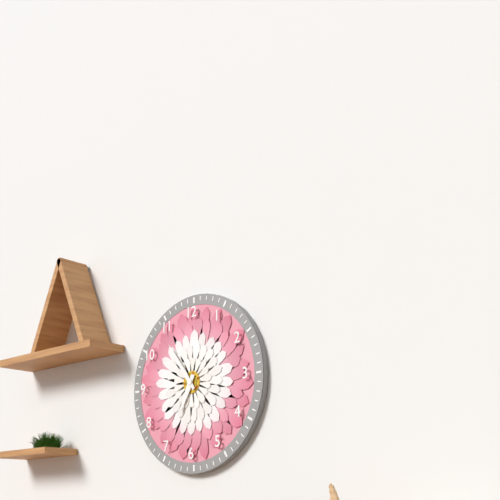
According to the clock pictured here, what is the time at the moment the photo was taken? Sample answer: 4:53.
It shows 6:54
